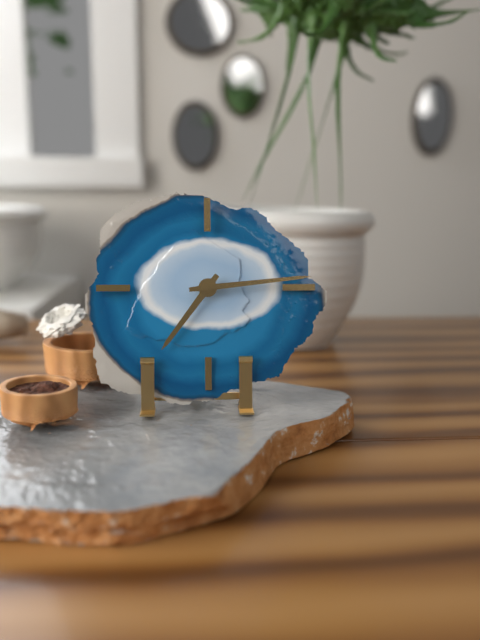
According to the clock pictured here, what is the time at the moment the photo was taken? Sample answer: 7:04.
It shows 7:14
